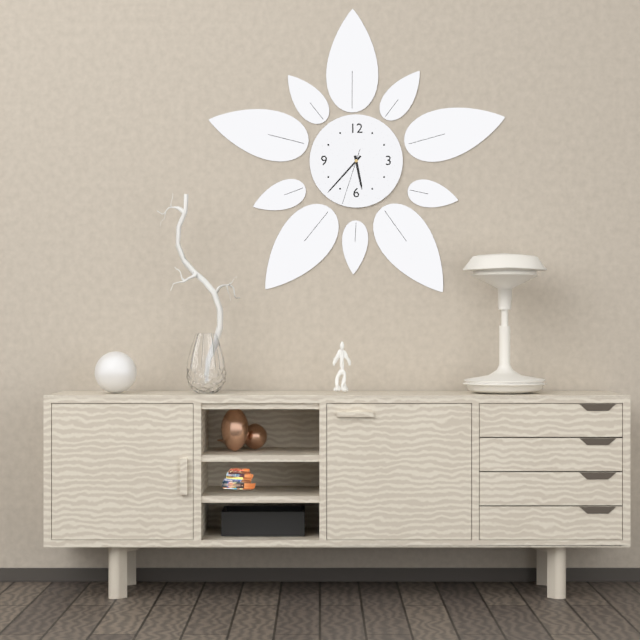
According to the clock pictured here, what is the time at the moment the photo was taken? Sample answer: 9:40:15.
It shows 5:37:33
